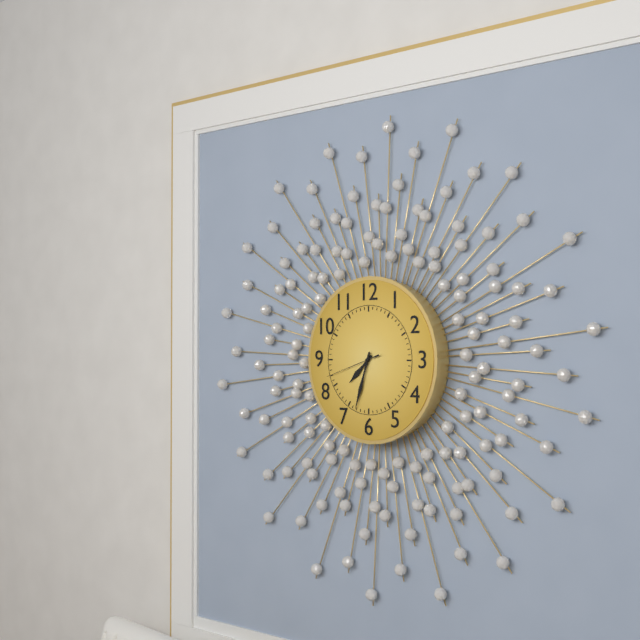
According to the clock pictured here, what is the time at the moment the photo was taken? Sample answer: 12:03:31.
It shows 7:33:42
